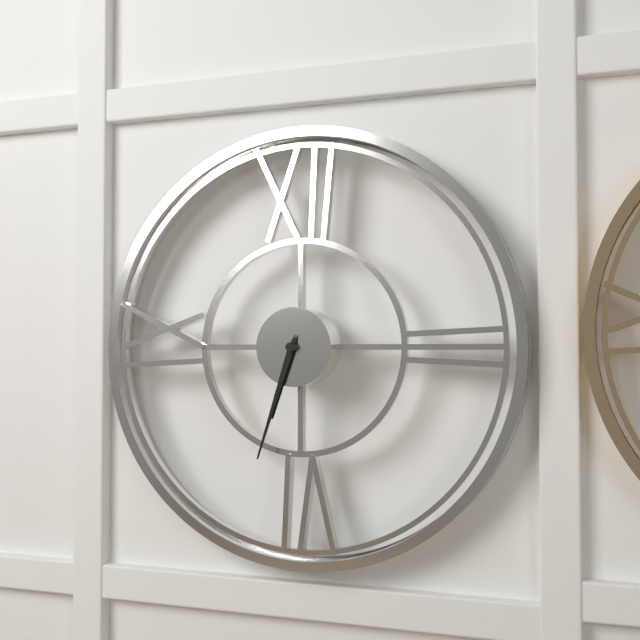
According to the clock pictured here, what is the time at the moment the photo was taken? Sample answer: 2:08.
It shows 6:33
